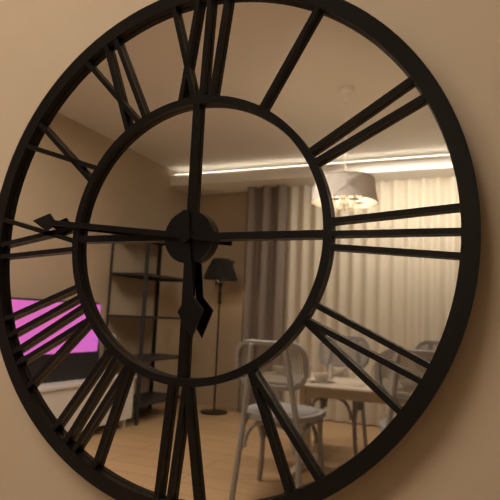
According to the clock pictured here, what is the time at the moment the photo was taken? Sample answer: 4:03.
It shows 5:46
